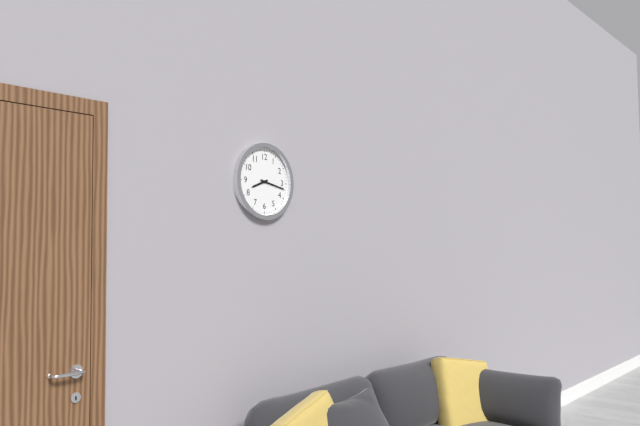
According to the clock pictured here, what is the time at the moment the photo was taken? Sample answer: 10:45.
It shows 8:17
